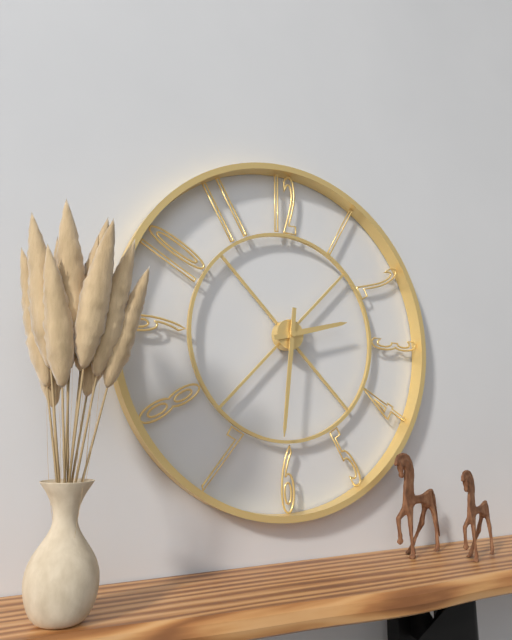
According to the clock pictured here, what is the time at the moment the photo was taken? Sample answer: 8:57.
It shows 2:31
